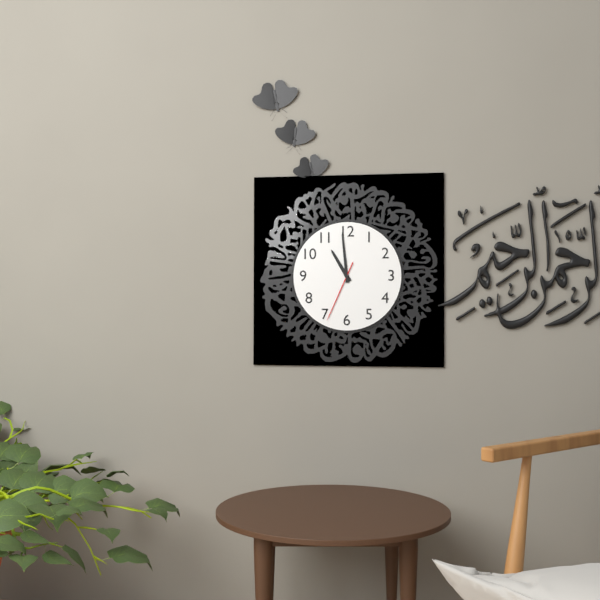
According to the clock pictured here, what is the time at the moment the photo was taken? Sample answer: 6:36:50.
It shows 10:59:34
